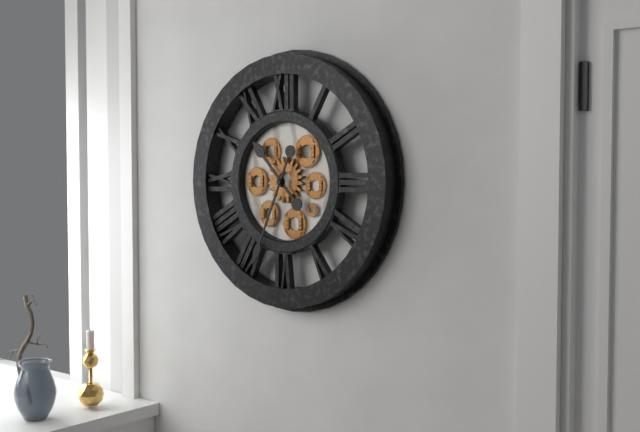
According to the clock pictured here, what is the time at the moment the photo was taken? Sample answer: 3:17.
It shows 10:34
